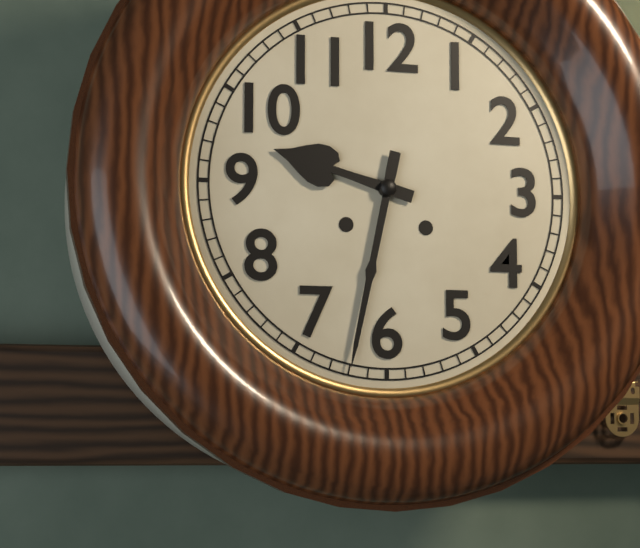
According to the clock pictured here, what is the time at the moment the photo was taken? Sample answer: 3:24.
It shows 9:32
